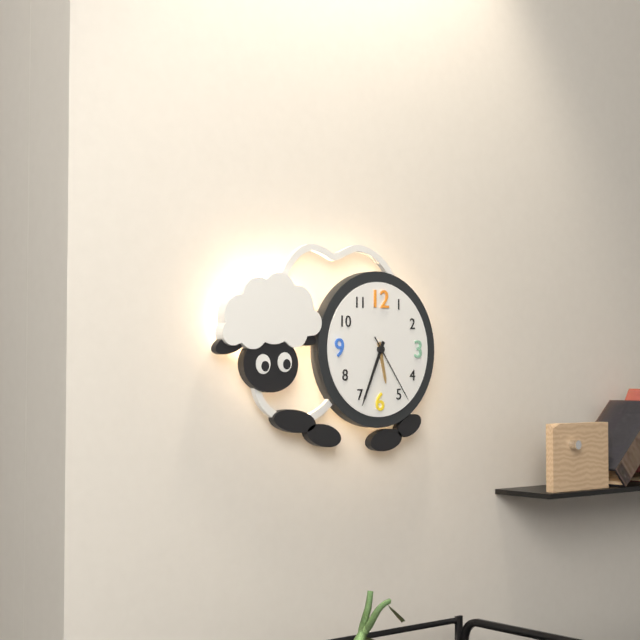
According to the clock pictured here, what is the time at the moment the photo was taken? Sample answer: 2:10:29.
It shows 5:34:24
